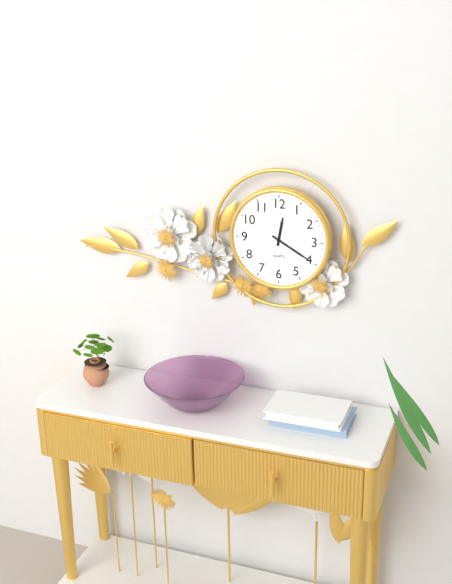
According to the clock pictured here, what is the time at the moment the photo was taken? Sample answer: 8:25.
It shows 12:20
